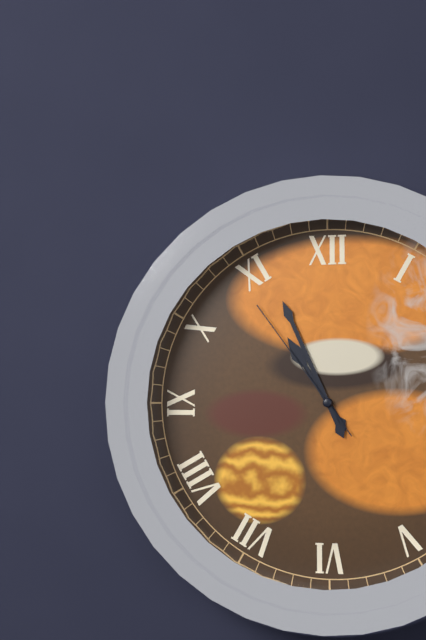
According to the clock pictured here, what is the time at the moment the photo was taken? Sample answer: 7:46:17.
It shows 10:56:54
